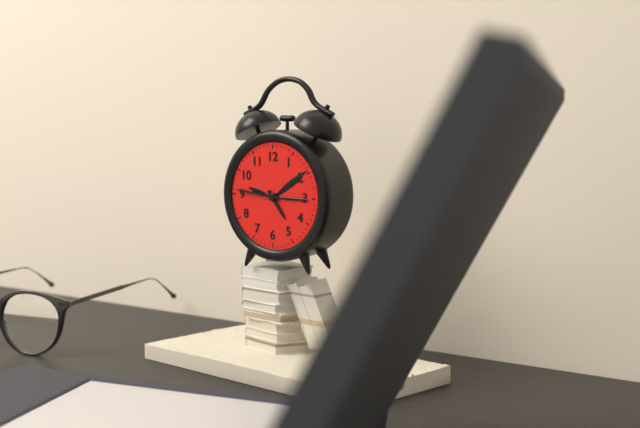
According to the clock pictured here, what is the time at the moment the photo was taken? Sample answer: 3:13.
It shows 4:46
